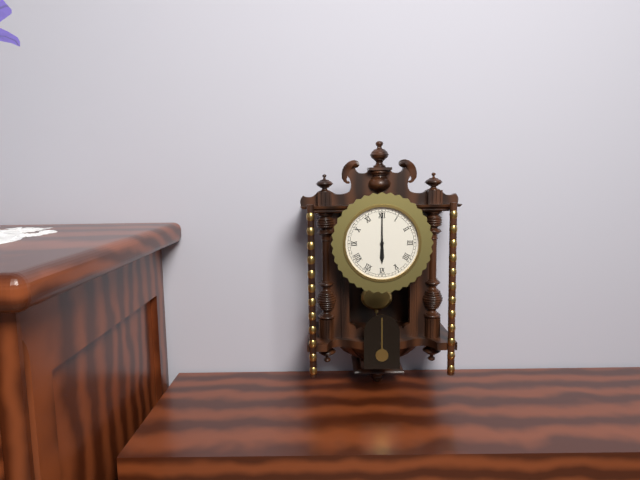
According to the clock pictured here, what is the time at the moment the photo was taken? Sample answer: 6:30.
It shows 6:00
